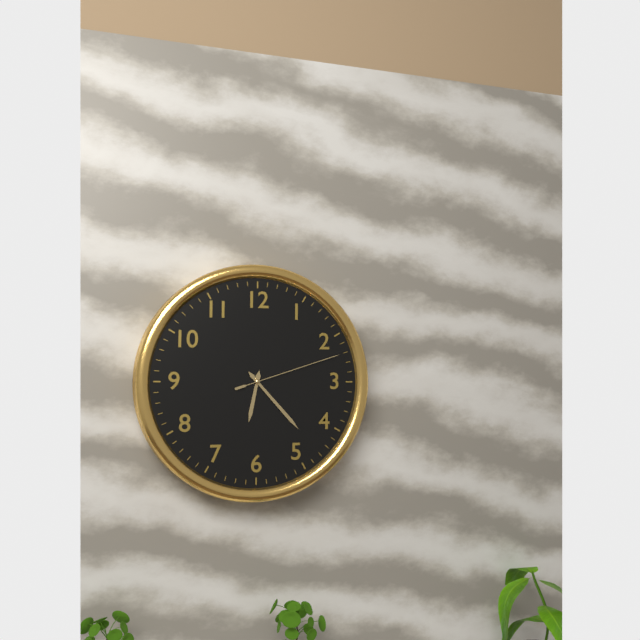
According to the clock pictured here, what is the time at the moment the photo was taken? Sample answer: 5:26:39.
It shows 6:23:12
